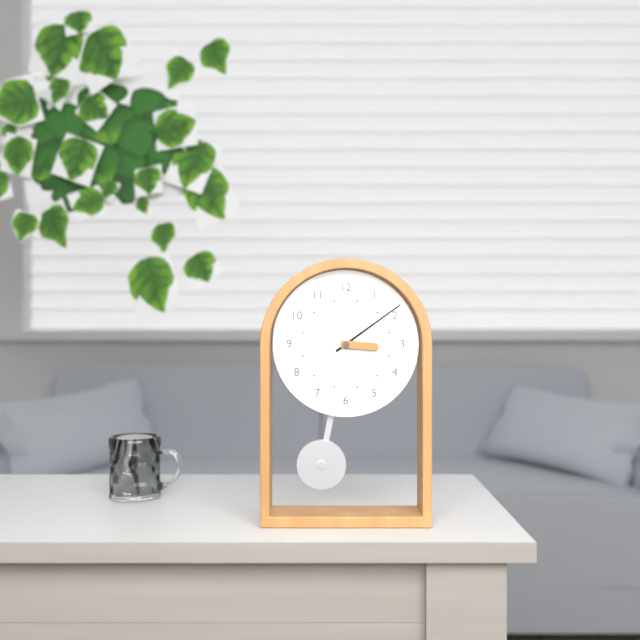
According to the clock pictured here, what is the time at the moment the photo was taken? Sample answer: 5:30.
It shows 3:09
